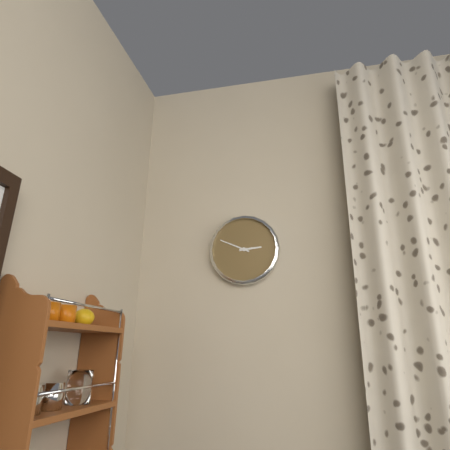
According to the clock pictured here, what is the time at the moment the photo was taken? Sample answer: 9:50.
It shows 2:49
